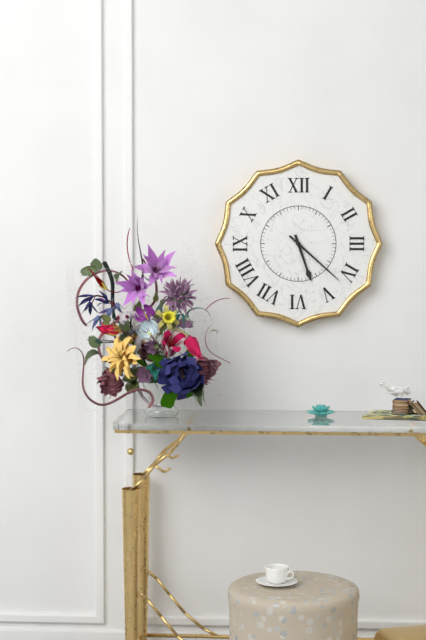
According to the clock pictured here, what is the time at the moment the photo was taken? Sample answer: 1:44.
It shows 5:22
